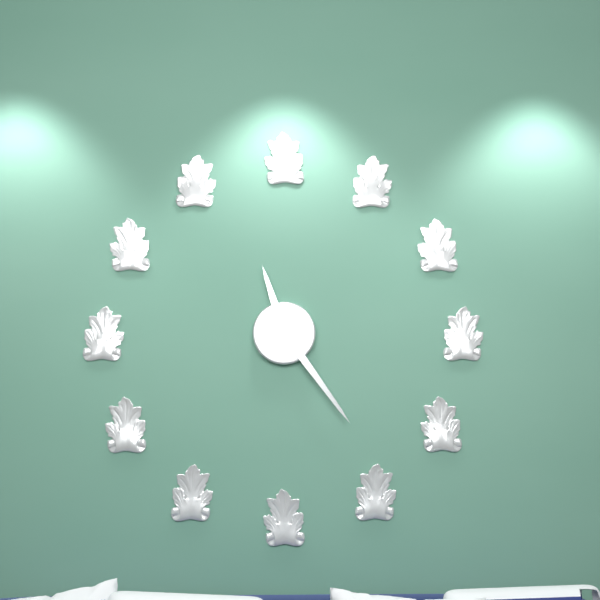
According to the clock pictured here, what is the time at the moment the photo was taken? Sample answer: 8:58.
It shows 11:24
